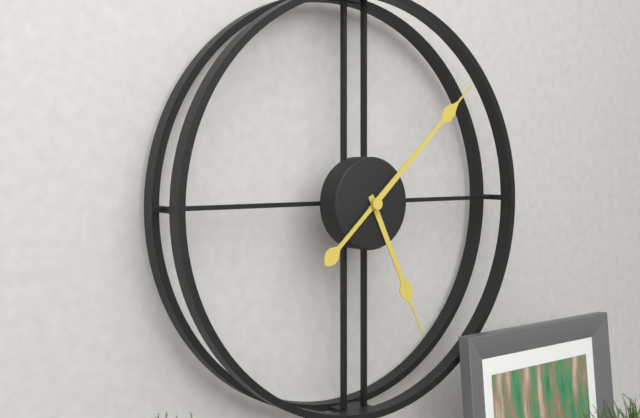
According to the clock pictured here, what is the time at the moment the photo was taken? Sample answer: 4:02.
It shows 5:08
